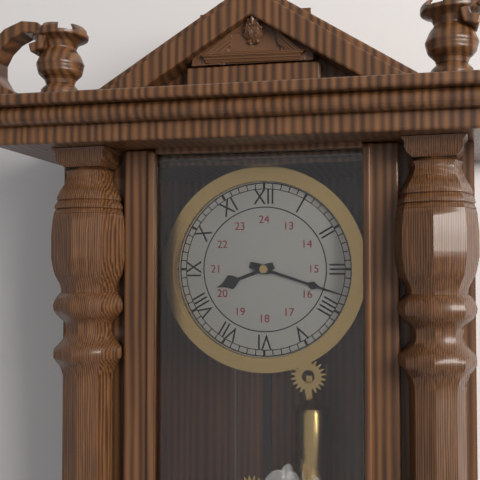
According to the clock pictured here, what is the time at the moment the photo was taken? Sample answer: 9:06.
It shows 8:18
